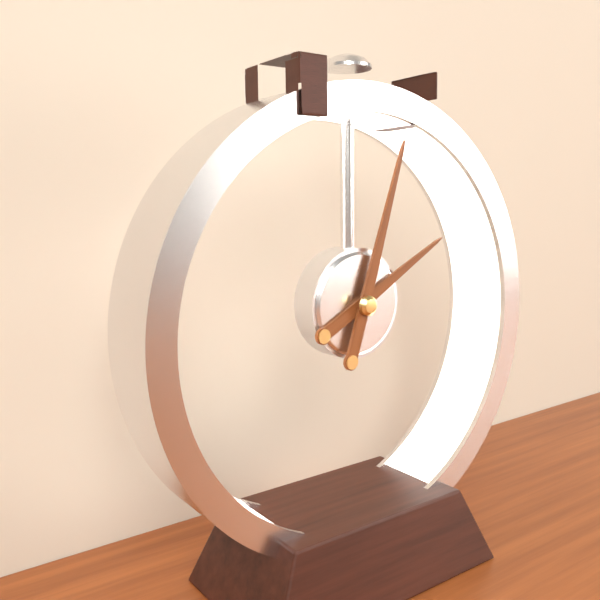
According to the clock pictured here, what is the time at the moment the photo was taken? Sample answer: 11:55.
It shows 2:03
